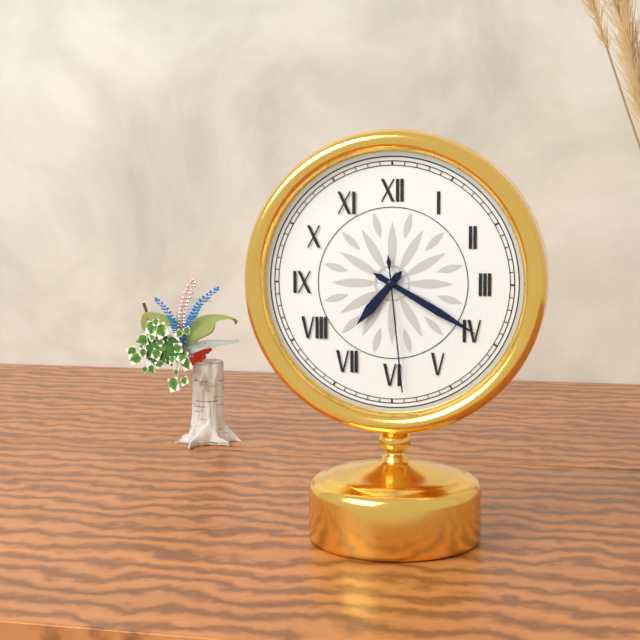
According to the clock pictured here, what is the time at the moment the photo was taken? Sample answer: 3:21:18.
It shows 7:20:29
